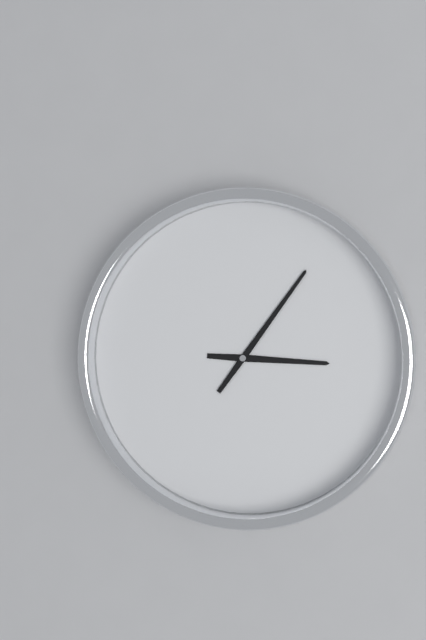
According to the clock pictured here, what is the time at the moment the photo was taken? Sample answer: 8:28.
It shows 3:06
